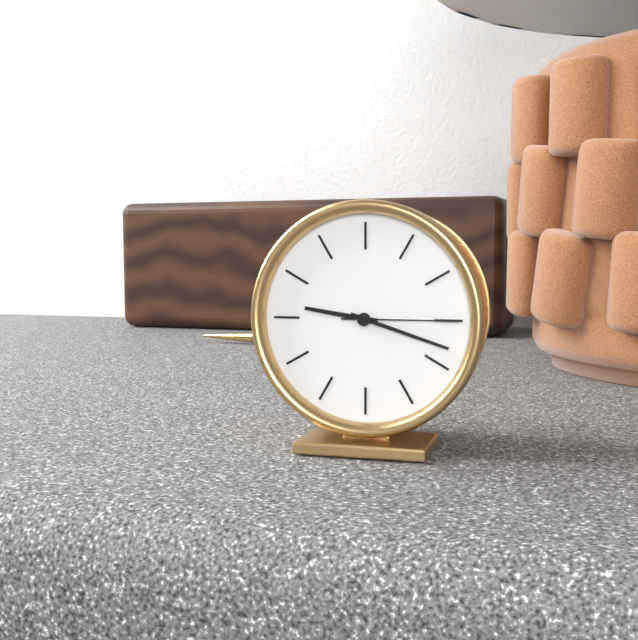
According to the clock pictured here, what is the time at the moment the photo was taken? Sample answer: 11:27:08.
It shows 9:18:15
